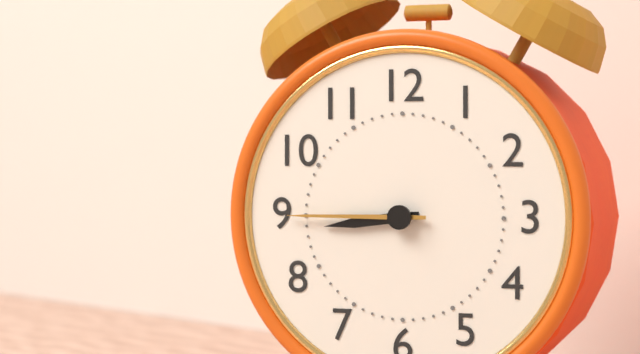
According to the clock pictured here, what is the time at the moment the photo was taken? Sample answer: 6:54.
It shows 8:45
